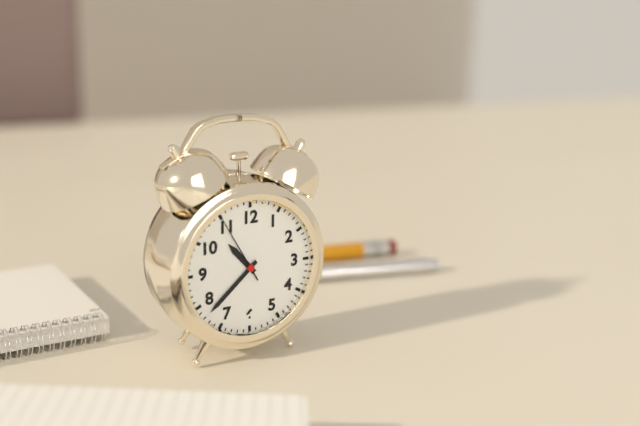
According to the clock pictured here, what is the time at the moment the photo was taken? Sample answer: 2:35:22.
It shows 10:38:55
